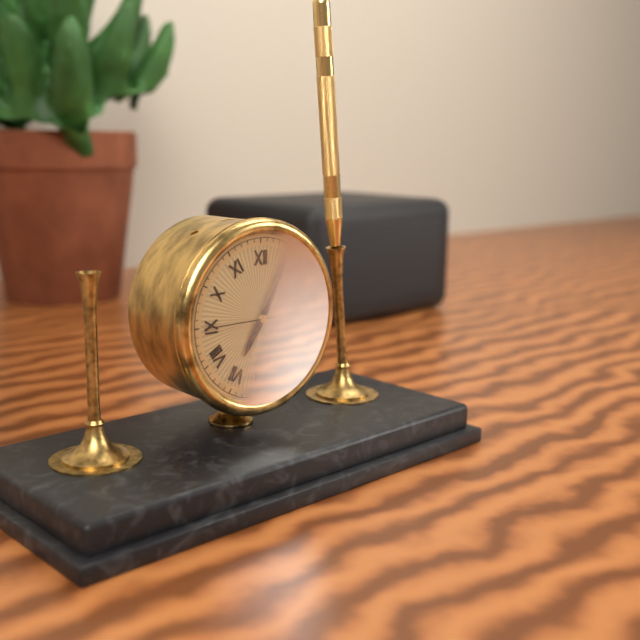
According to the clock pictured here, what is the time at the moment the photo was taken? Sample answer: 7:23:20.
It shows 7:05:45
